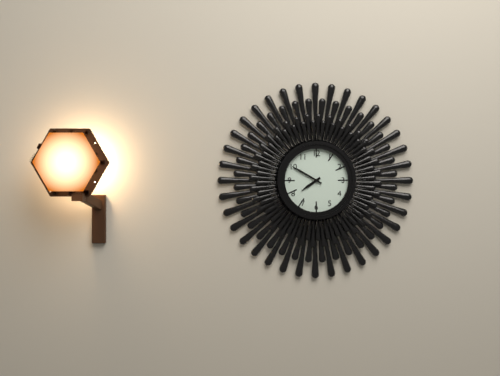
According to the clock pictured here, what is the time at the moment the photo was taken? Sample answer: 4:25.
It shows 7:50
